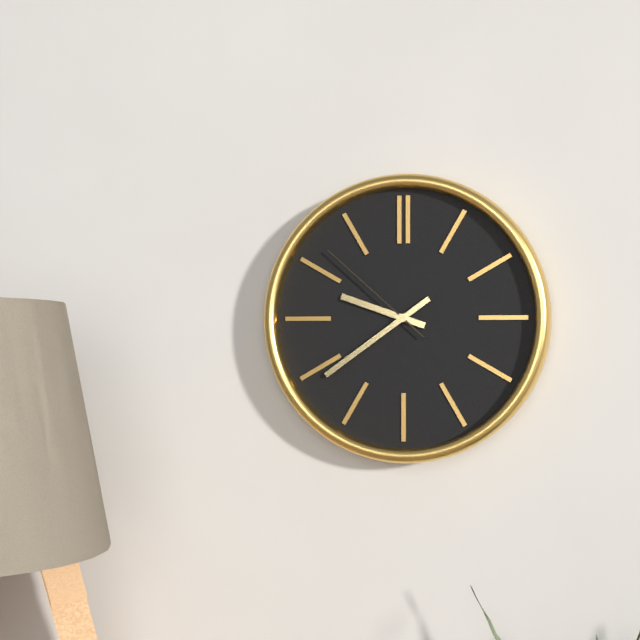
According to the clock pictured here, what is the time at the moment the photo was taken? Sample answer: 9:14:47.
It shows 9:39:52
